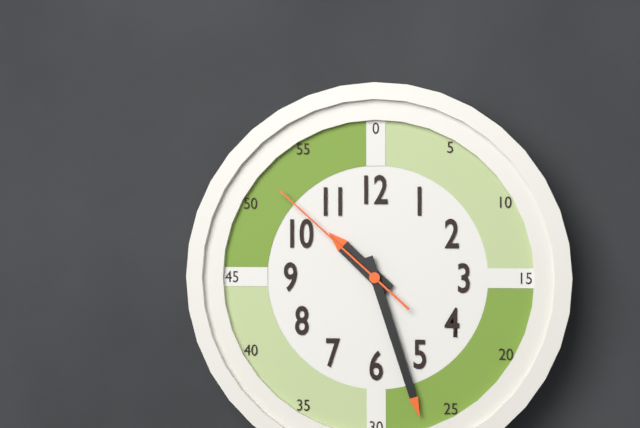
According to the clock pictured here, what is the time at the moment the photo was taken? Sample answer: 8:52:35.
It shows 10:27:52
